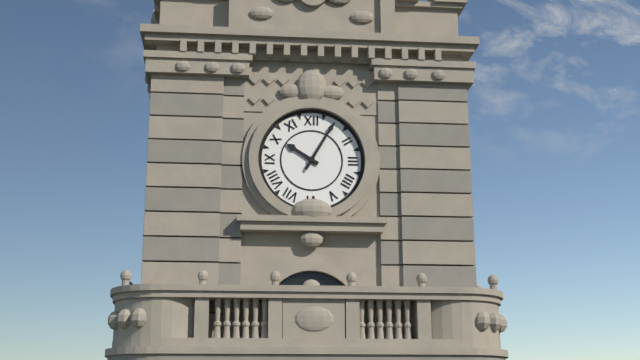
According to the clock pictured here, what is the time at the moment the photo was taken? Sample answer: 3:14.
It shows 10:05
